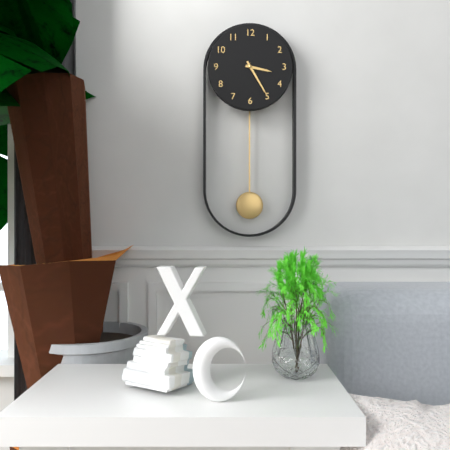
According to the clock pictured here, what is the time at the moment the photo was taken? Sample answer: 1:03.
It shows 3:25
